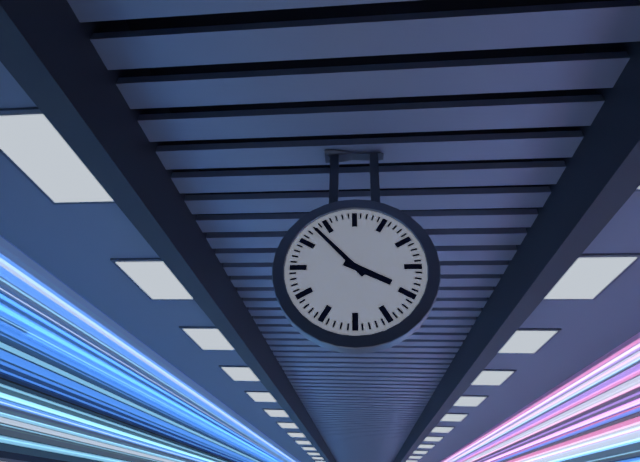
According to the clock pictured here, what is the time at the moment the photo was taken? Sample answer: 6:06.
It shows 3:53
